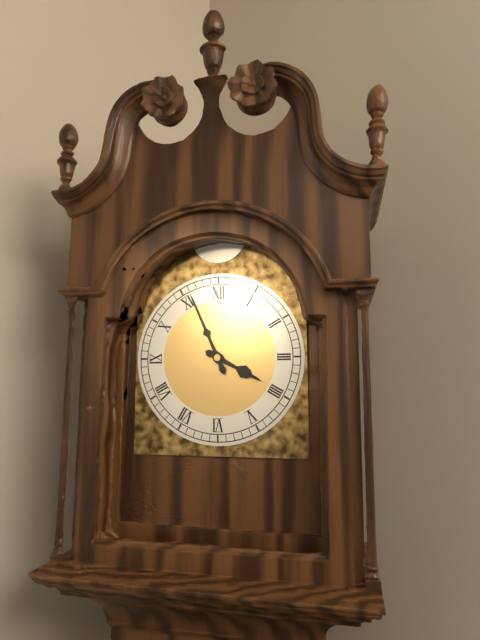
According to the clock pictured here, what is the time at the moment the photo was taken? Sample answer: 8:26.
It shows 3:56
